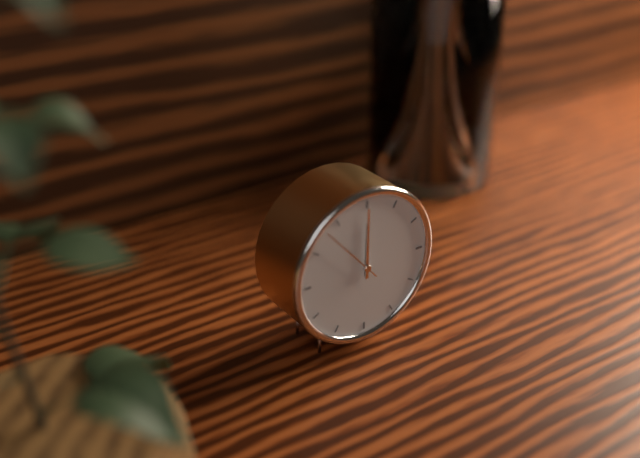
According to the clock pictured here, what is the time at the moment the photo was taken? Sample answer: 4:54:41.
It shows 12:00:53
